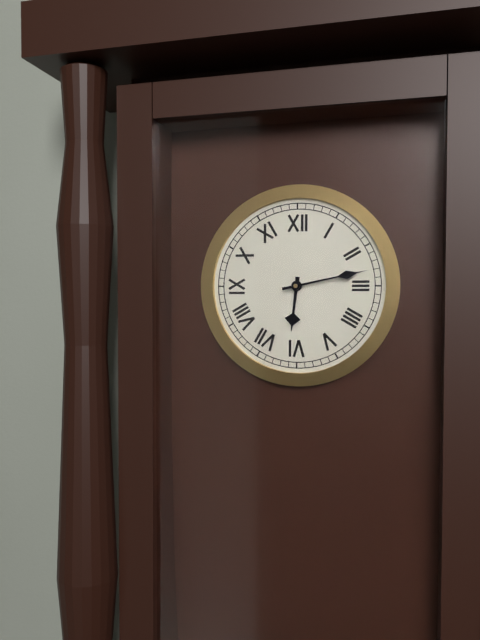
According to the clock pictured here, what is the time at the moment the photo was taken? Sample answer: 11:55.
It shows 6:13
